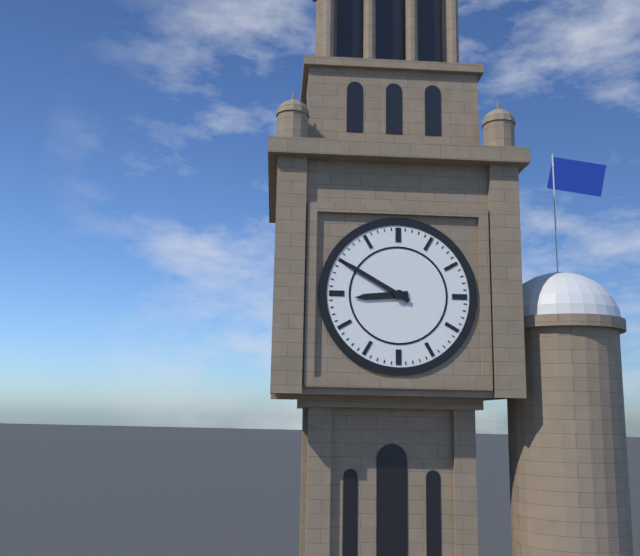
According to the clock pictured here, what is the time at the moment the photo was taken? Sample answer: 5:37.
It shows 8:50
